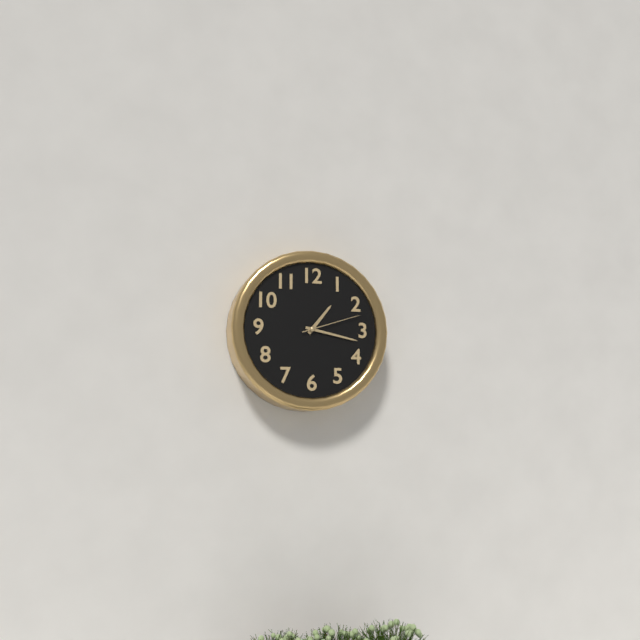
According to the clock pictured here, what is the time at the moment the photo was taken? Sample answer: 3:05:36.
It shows 1:17:12
